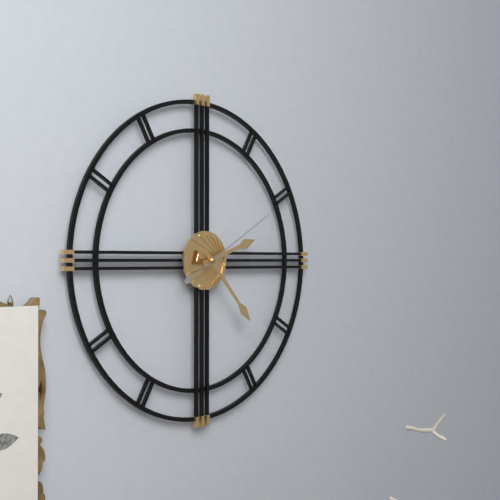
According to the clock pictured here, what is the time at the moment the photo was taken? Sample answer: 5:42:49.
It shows 2:23:10
